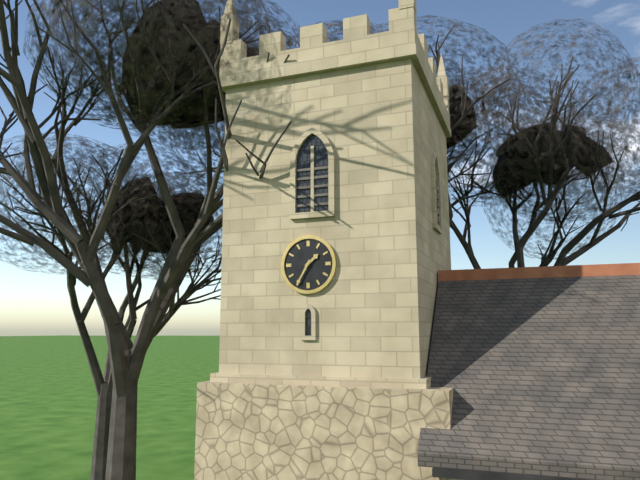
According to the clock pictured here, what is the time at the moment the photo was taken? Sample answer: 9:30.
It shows 1:35
